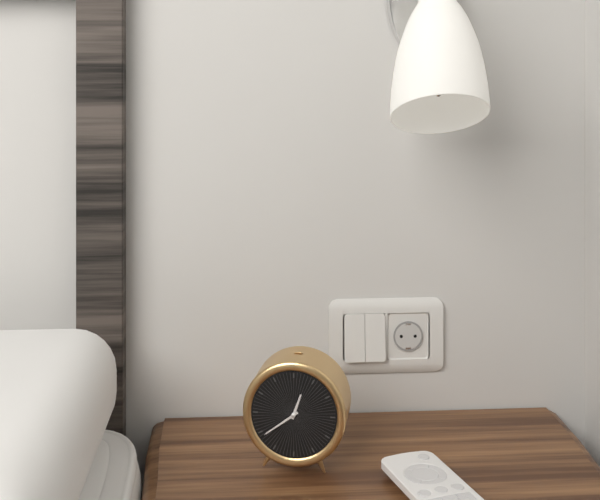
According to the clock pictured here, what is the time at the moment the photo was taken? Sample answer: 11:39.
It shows 12:39
